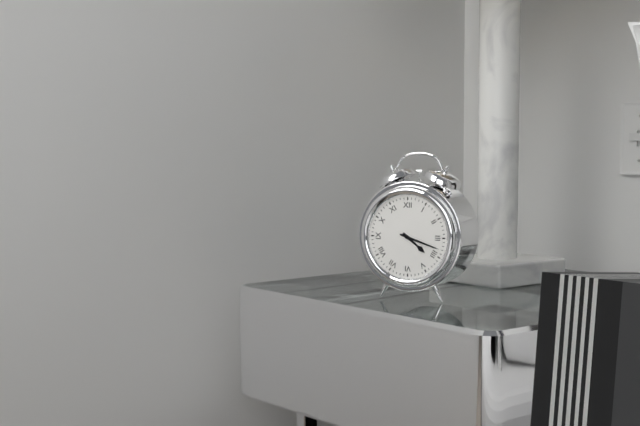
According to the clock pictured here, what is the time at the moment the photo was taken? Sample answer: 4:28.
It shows 4:18
